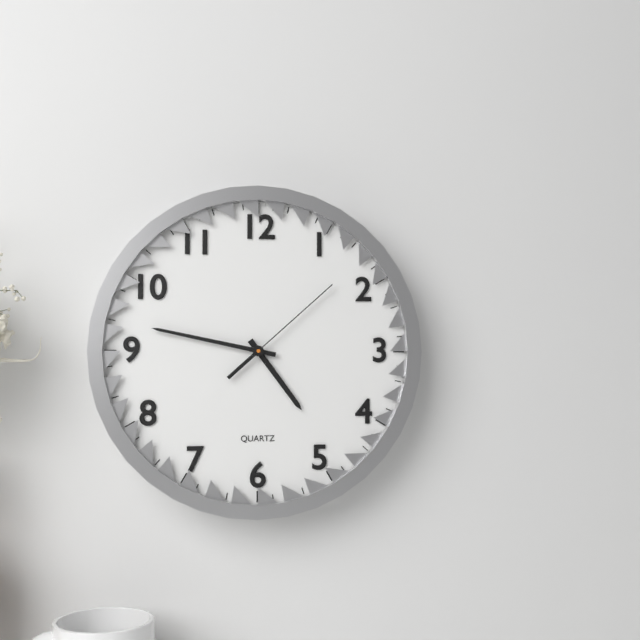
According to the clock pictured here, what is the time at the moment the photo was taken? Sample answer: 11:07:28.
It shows 4:47:08
